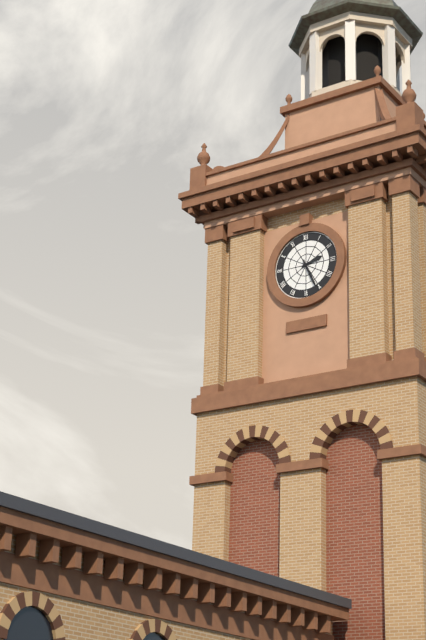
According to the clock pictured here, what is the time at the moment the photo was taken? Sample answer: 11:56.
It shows 2:26
